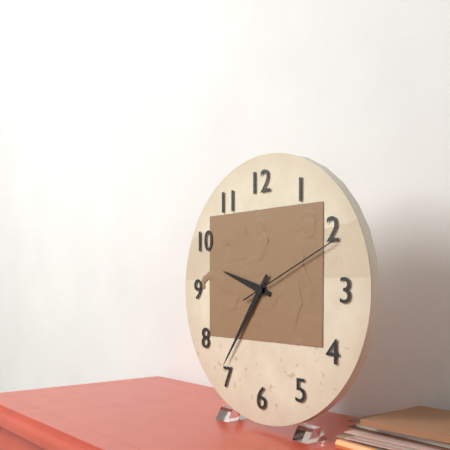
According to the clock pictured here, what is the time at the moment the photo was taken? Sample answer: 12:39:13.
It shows 9:36:11
